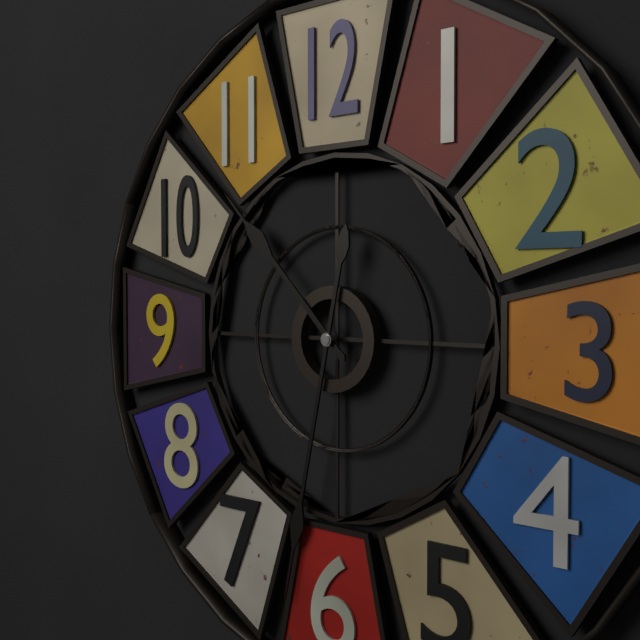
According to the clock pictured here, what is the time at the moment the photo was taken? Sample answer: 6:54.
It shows 10:32
